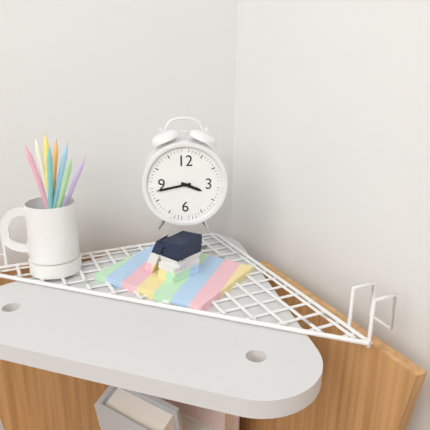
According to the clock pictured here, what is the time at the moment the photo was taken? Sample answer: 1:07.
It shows 3:43
